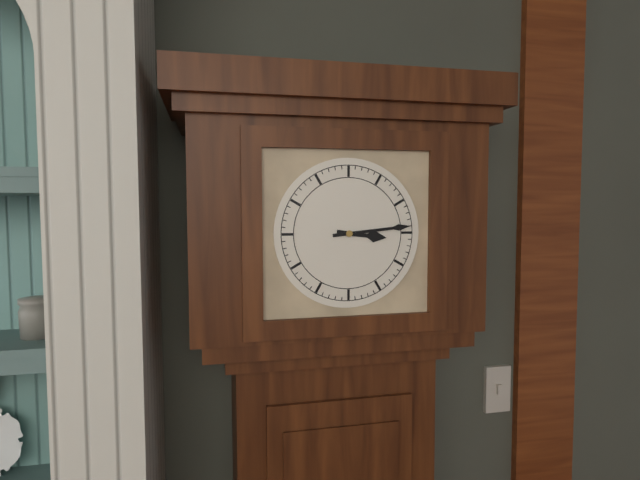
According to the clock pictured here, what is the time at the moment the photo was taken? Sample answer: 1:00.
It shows 3:14
